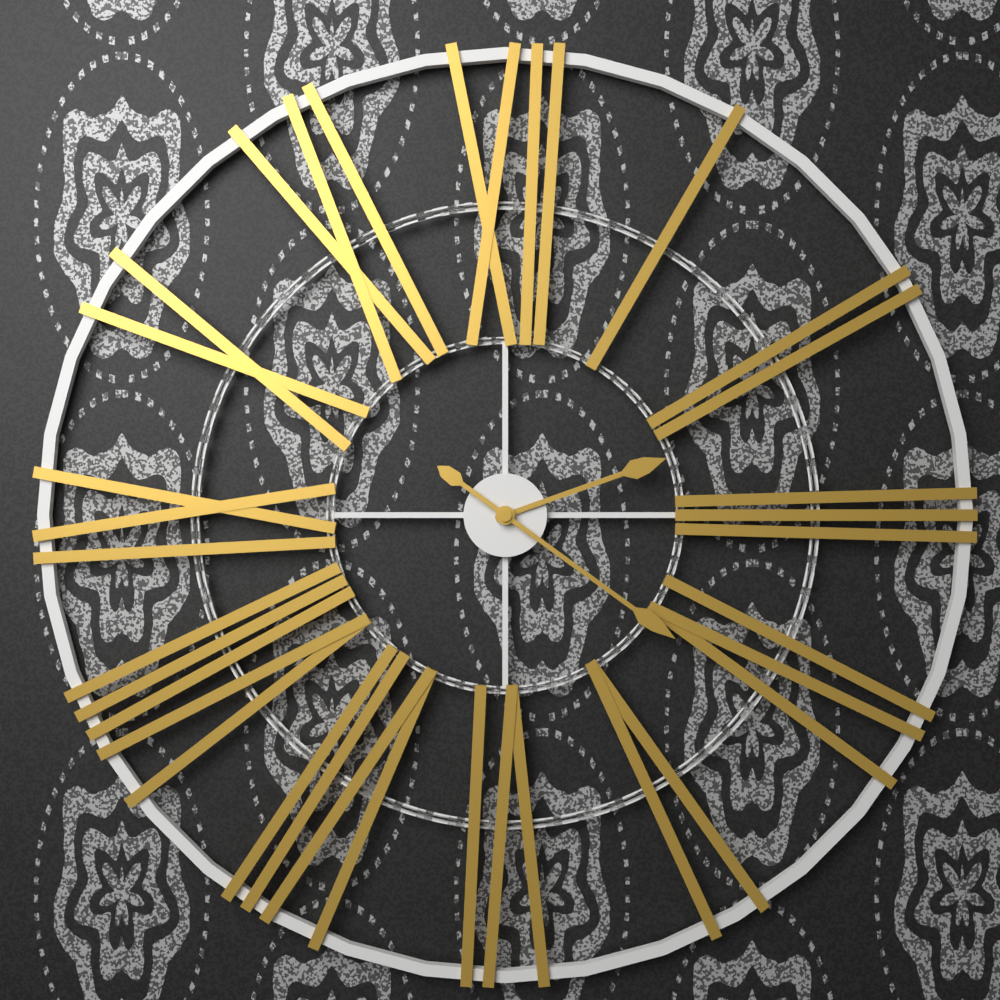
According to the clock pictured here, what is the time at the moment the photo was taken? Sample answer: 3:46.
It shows 2:21
